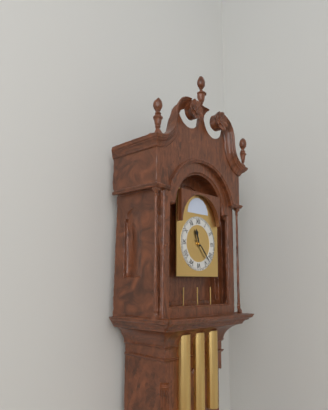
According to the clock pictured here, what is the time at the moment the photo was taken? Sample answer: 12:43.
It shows 11:23
